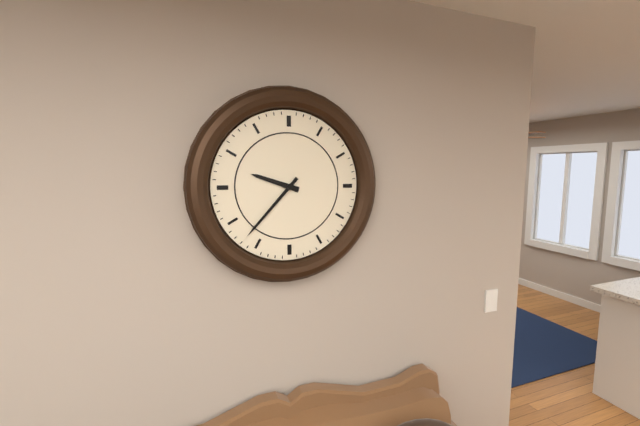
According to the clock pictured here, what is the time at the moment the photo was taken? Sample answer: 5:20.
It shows 9:37
